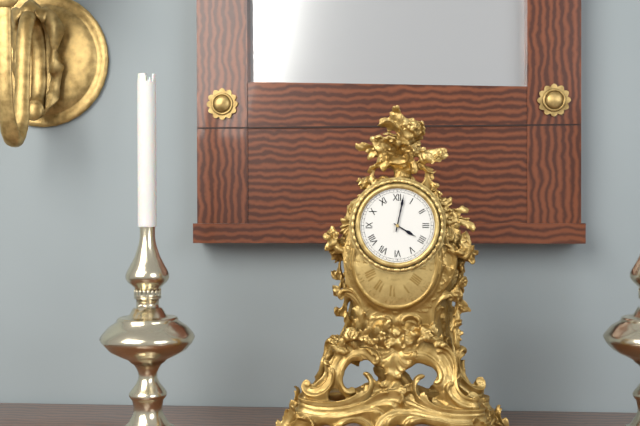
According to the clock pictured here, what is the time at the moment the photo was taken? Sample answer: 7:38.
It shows 4:02
